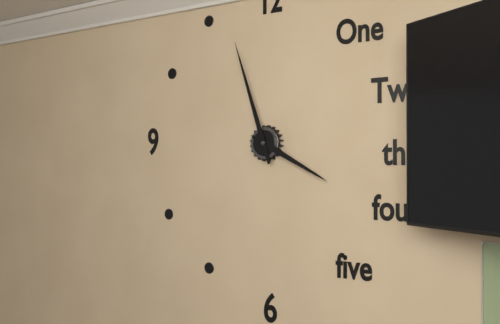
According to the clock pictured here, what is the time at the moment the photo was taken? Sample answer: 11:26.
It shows 3:57
